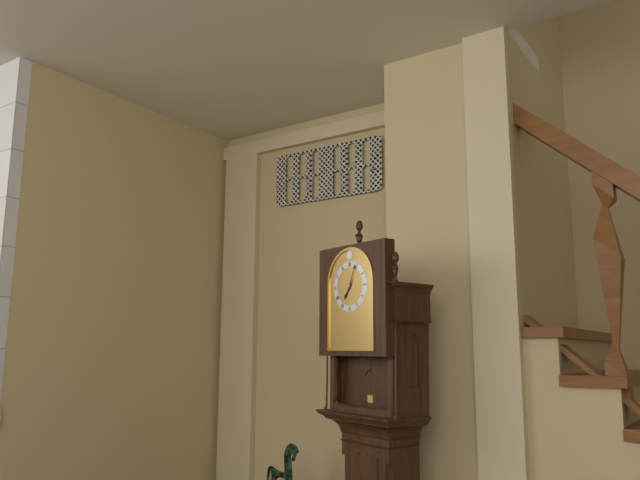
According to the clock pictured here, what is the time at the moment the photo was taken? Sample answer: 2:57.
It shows 7:04
